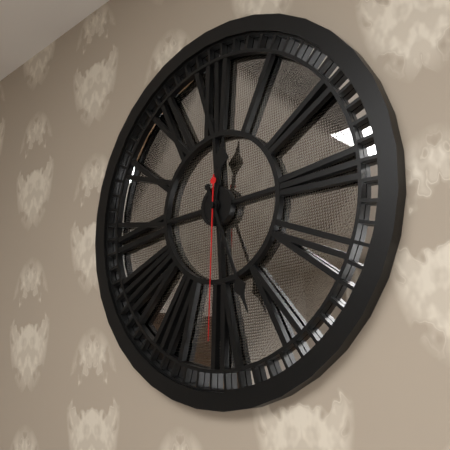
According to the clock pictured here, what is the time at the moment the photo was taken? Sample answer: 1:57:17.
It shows 12:27:31
